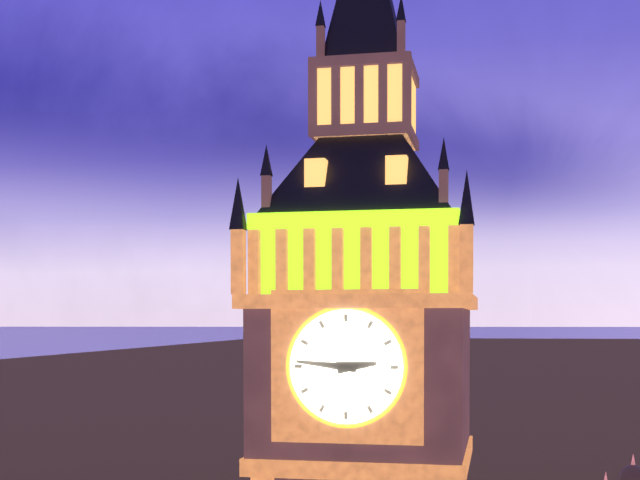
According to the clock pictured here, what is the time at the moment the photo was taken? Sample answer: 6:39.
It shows 2:46
